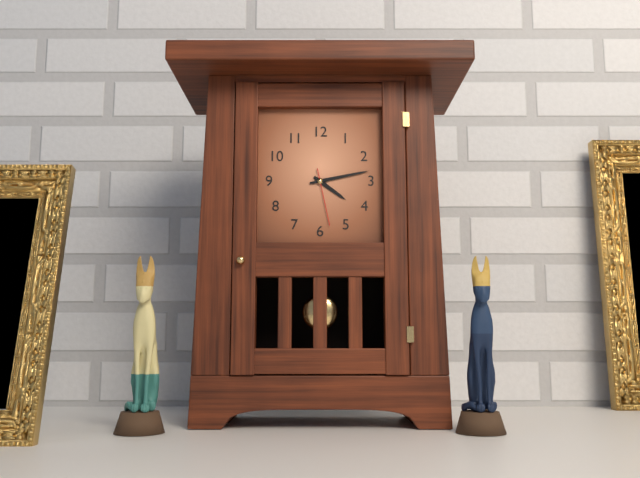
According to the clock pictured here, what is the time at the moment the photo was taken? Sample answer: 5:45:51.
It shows 4:13:28
